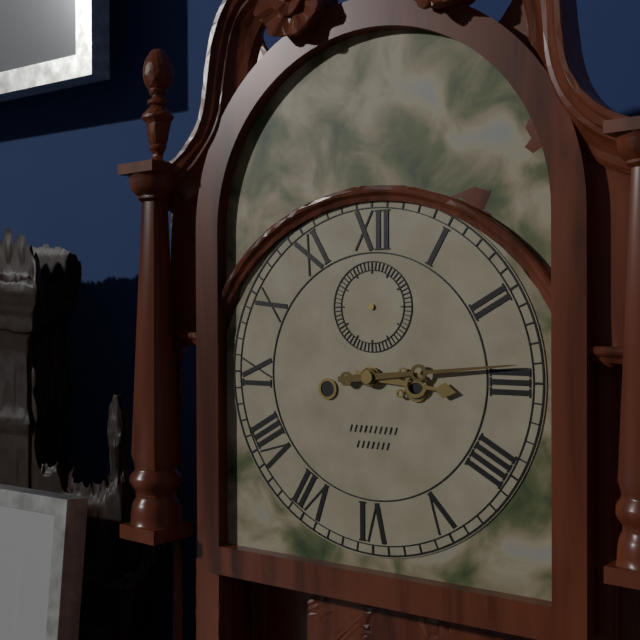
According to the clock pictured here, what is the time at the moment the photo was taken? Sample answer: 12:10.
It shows 3:14
